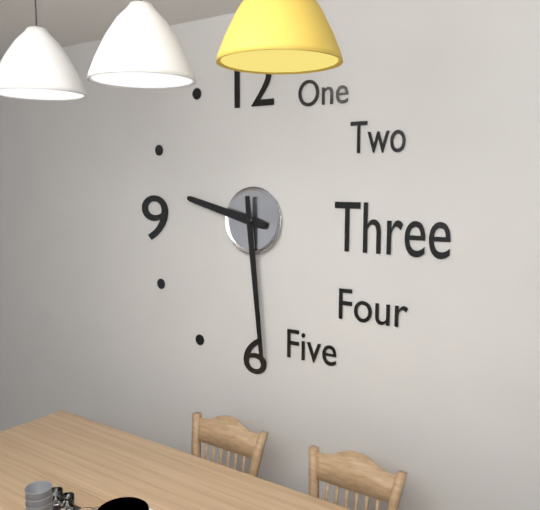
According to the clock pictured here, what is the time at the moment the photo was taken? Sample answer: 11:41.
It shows 9:29
